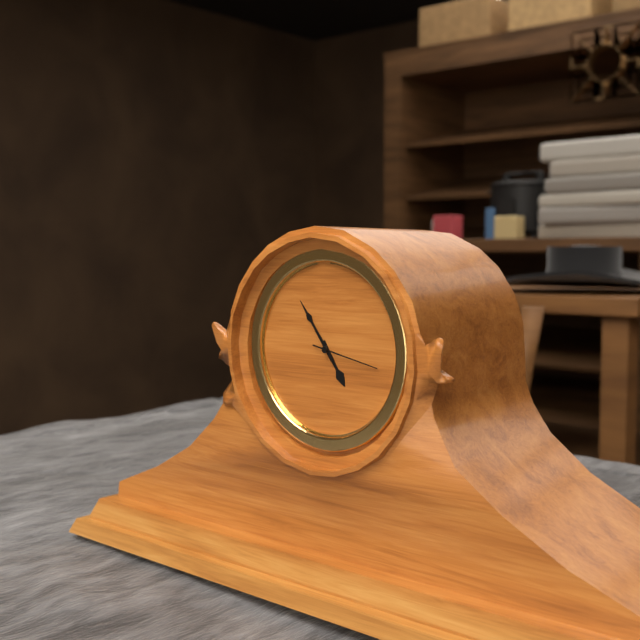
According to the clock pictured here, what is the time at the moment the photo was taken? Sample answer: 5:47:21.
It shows 4:54:17
